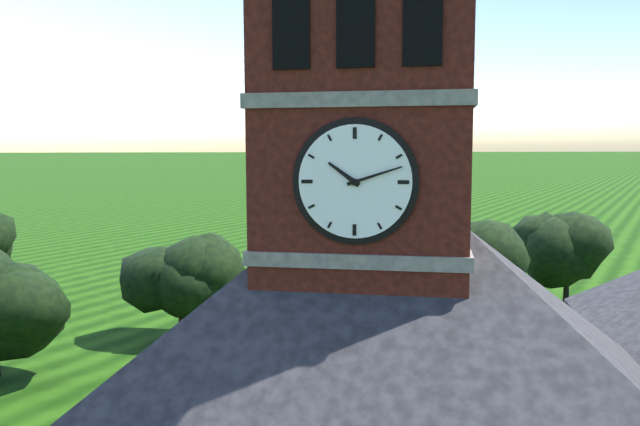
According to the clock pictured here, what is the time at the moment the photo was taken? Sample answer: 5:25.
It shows 10:12
